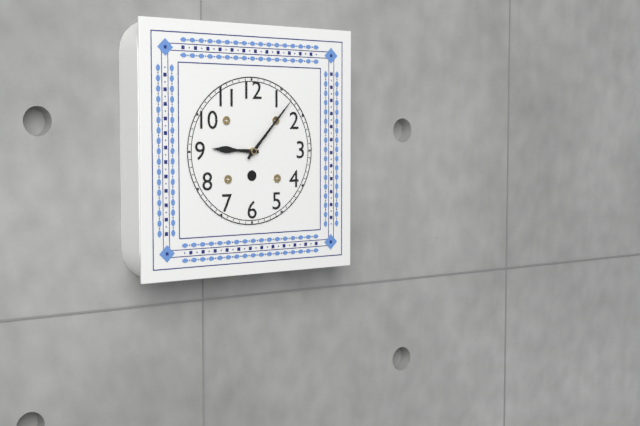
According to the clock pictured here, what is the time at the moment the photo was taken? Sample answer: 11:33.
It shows 9:07
